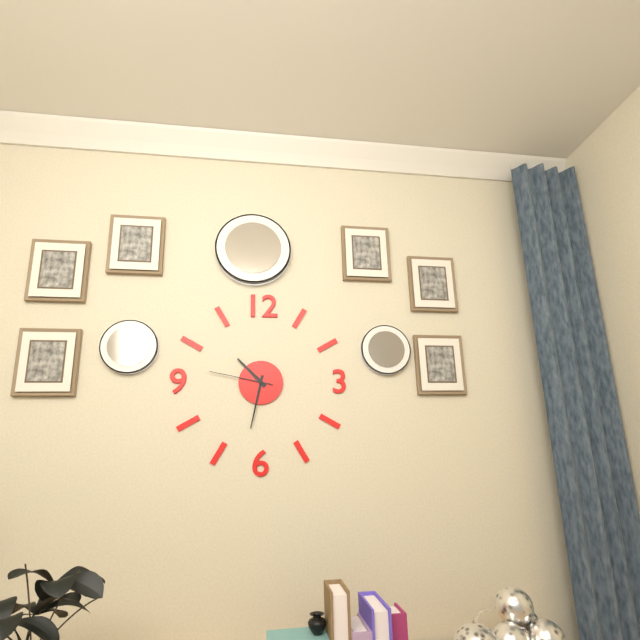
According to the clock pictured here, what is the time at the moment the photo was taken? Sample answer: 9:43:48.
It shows 10:32:47
